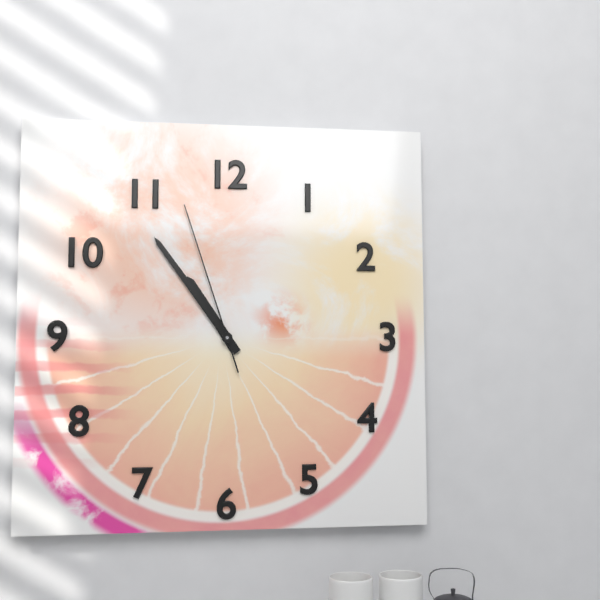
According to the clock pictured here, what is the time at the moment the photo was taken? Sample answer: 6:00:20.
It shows 10:54:57
